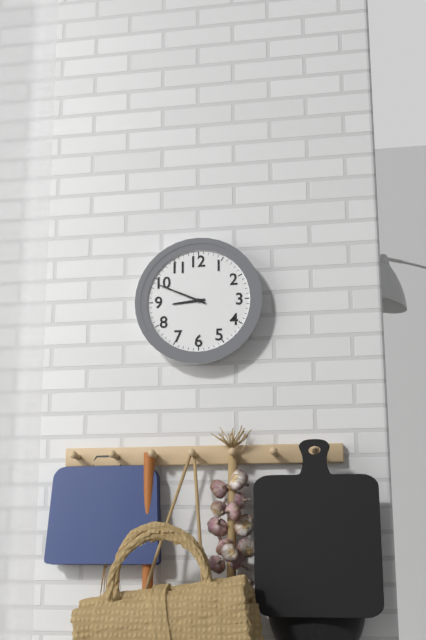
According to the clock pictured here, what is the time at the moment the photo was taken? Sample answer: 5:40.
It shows 8:49
